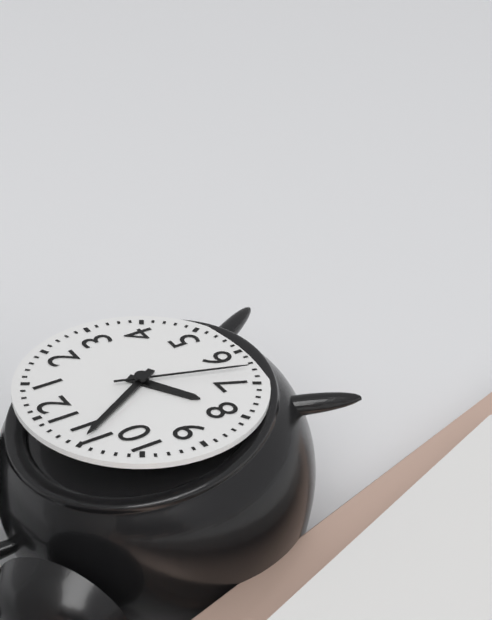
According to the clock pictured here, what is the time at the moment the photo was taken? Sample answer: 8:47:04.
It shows 7:55:33
